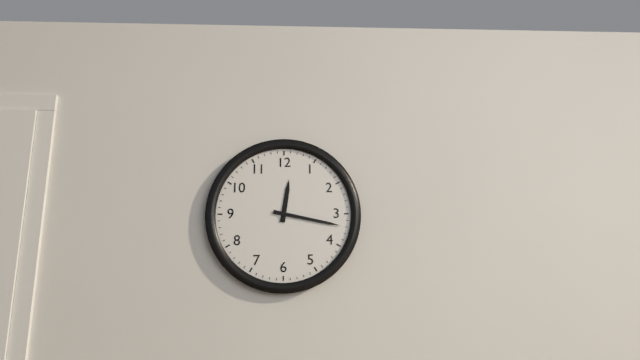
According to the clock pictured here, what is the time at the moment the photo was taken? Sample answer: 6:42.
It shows 12:17
